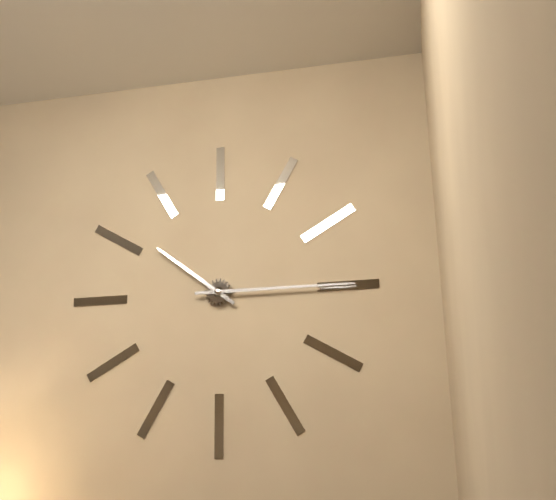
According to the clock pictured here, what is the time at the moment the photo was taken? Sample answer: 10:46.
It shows 10:15
